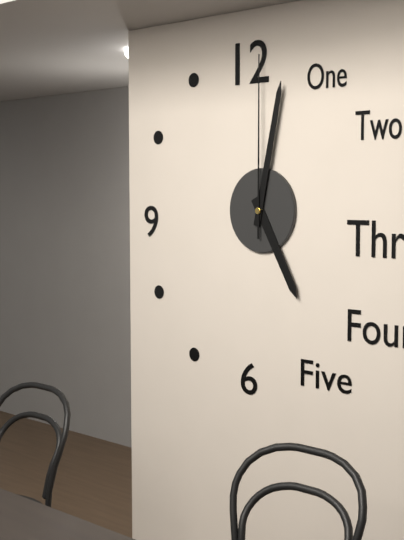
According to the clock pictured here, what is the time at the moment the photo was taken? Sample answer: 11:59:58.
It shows 5:02:00
